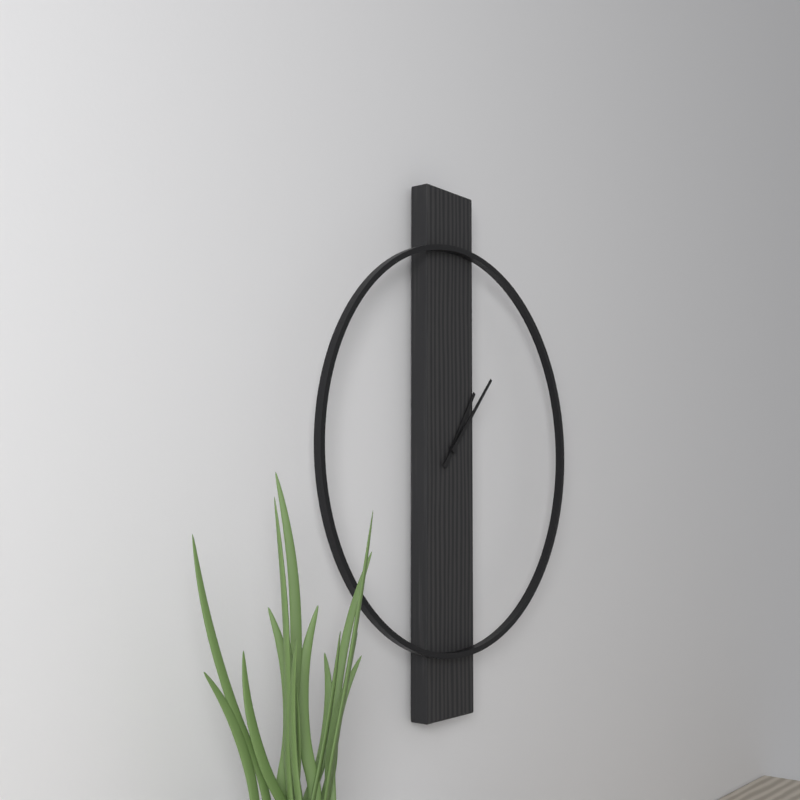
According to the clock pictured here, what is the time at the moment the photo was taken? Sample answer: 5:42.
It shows 1:07
